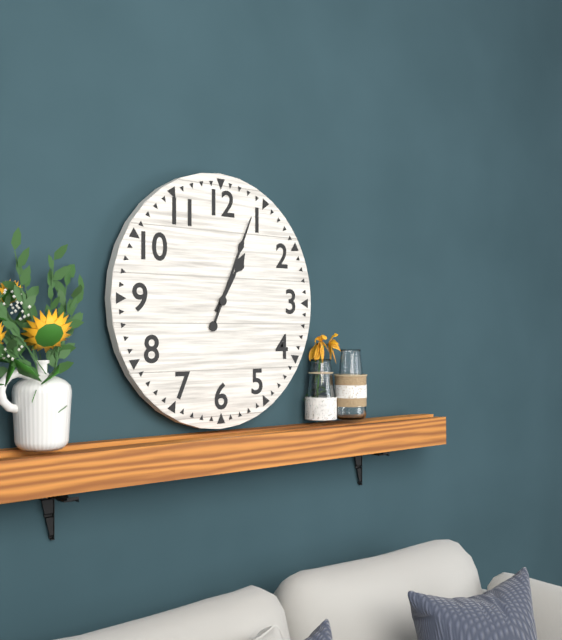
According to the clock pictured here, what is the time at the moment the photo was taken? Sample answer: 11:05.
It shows 1:04
